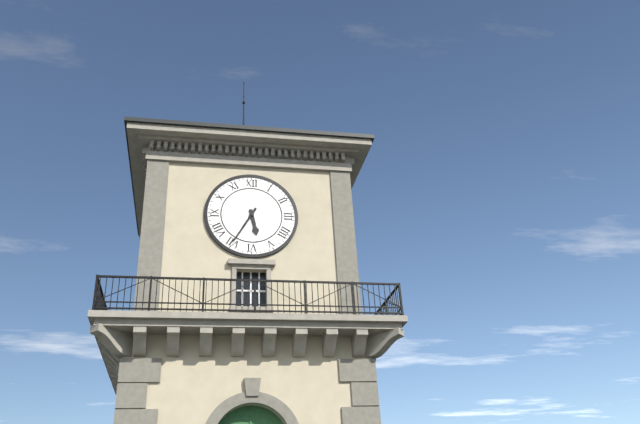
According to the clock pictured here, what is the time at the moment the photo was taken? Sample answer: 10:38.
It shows 5:35
